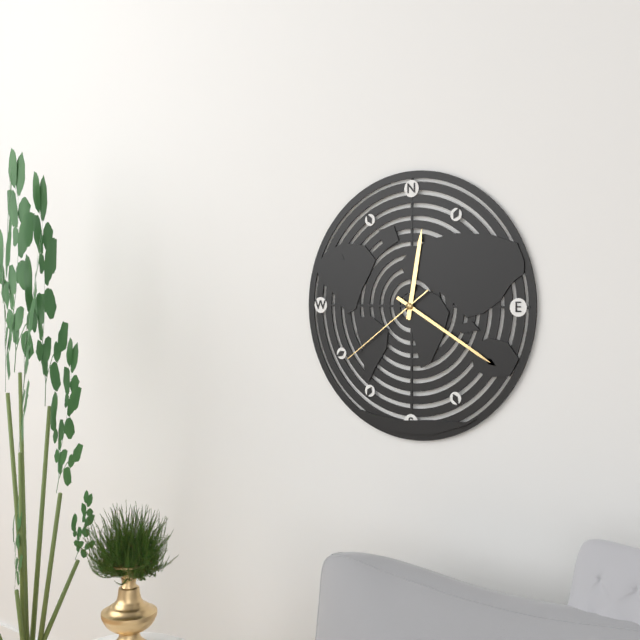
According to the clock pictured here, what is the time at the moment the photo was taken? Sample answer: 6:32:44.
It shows 12:20:39
